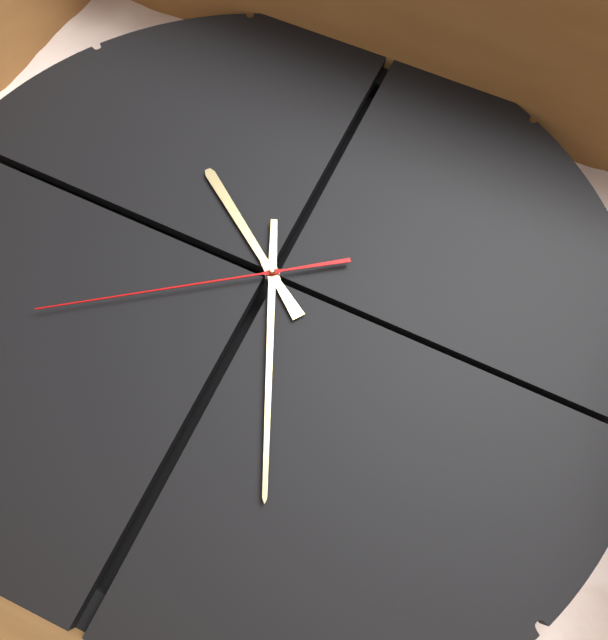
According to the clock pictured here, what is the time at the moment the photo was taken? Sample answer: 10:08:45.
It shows 7:11:24
